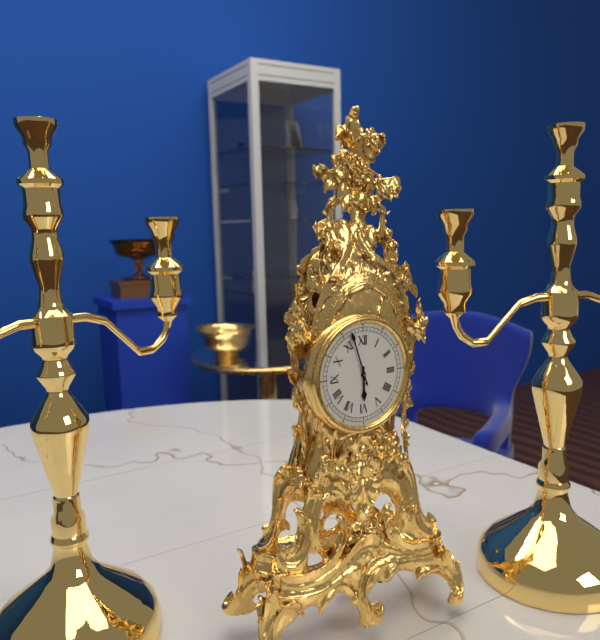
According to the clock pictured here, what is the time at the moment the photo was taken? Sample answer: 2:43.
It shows 5:57
